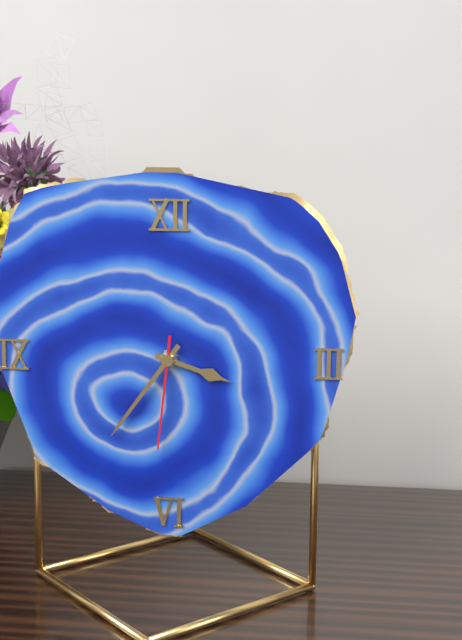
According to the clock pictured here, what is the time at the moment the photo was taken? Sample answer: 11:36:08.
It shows 3:36:31
